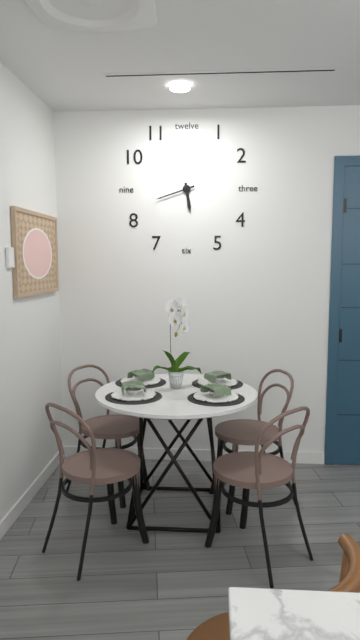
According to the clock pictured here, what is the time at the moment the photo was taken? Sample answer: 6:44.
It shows 5:42
